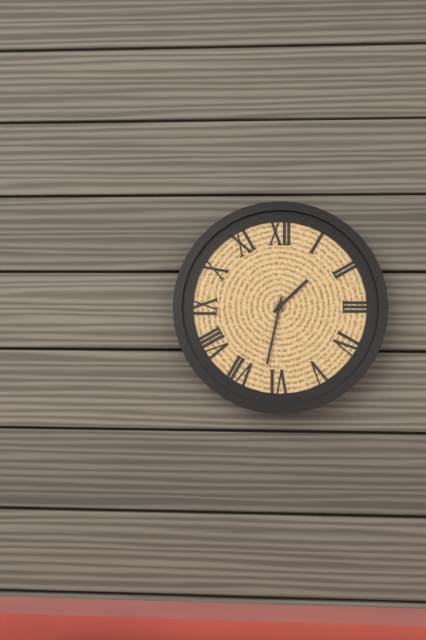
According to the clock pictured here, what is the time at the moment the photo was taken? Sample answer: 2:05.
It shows 1:32
